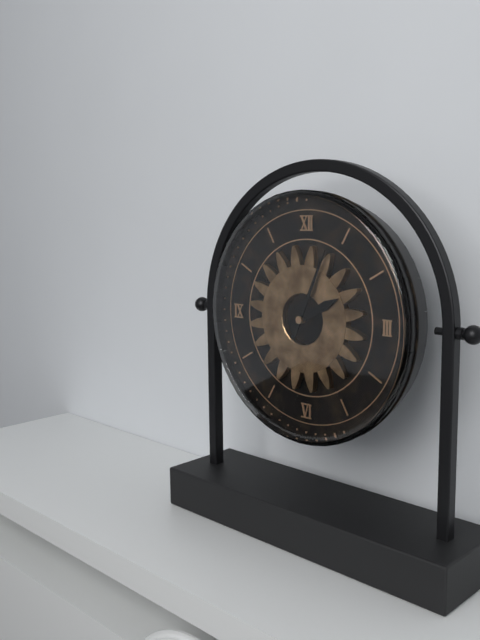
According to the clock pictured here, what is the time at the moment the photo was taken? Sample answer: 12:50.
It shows 2:04
